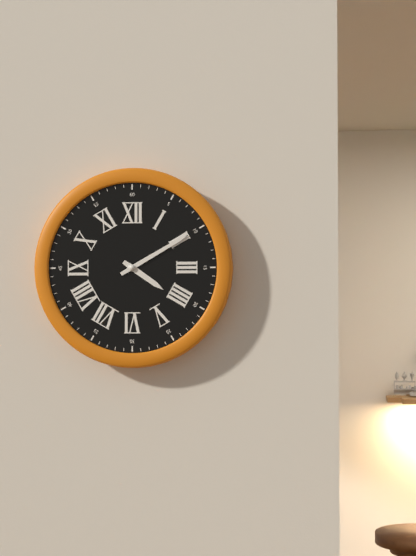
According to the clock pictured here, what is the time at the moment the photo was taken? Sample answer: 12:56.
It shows 4:10
